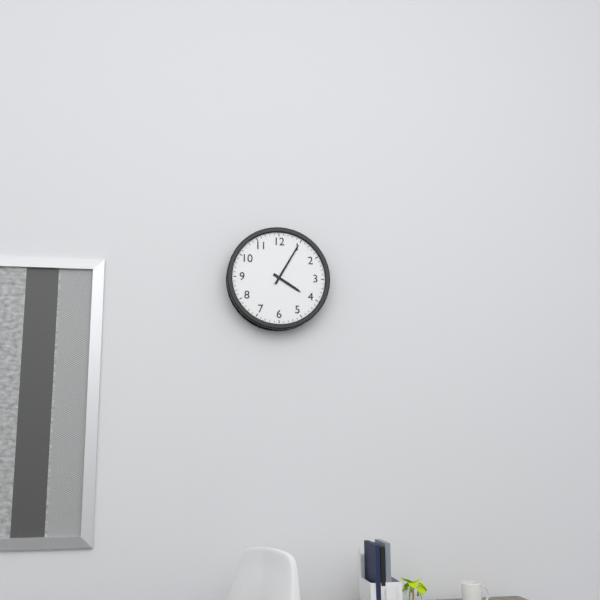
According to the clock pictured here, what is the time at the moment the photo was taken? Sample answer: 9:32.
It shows 4:05
